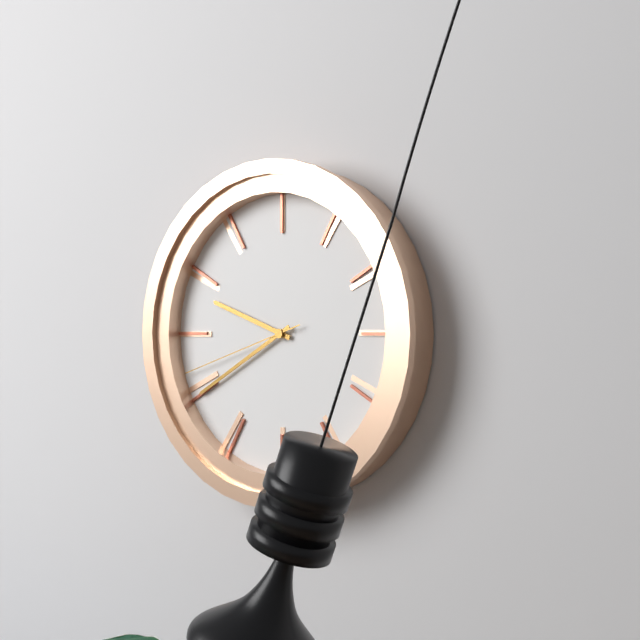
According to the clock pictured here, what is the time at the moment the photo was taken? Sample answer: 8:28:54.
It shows 9:40:42
